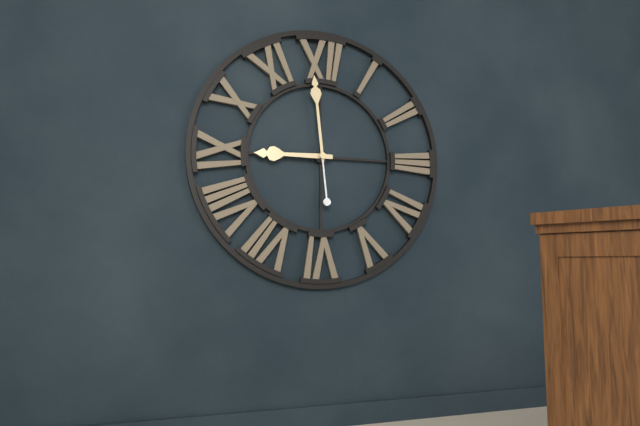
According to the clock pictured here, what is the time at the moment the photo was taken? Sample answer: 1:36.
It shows 8:59
